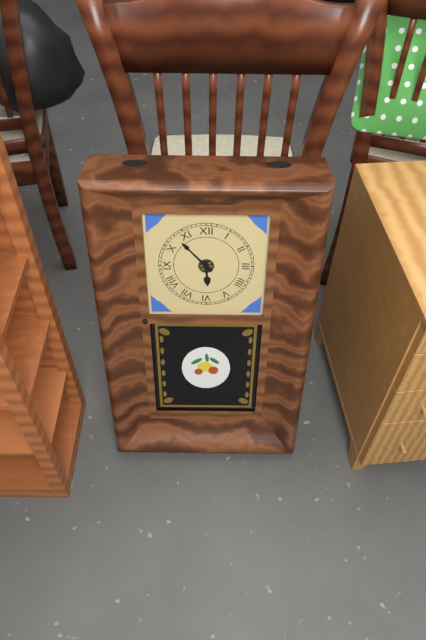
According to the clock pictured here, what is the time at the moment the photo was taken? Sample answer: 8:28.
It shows 5:53
